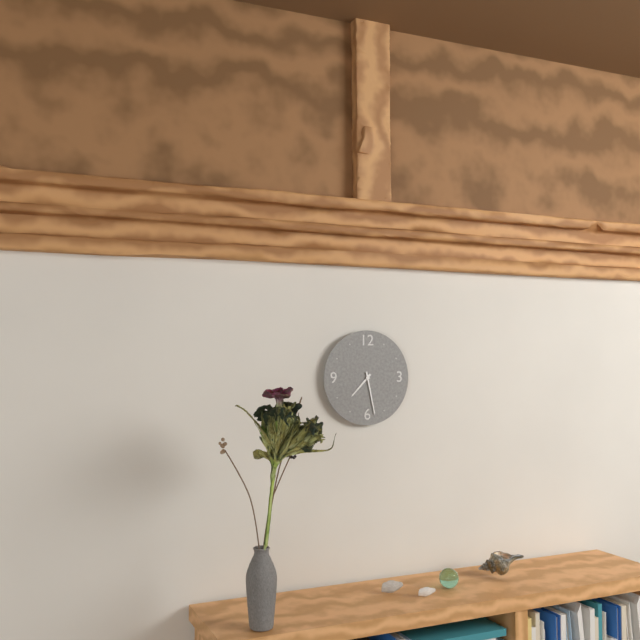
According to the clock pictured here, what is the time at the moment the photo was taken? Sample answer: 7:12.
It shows 7:28
